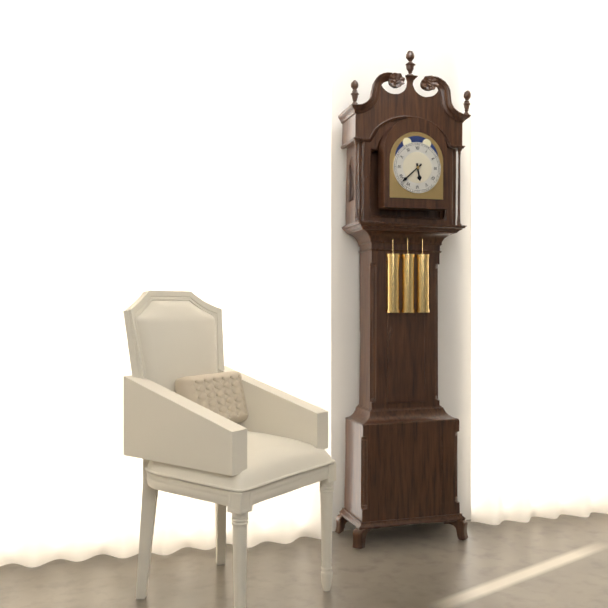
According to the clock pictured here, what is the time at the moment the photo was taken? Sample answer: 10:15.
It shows 5:38
